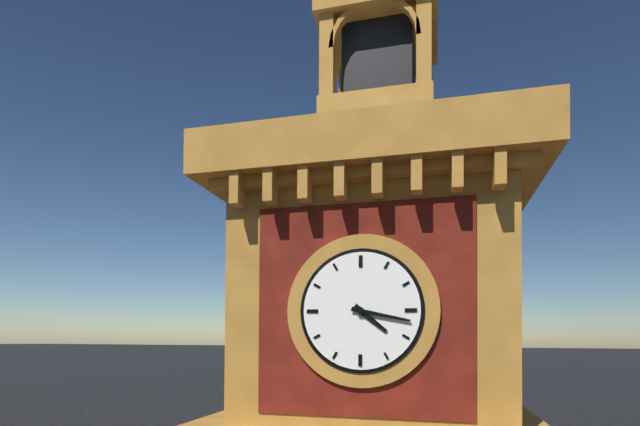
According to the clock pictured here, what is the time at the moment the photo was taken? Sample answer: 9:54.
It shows 4:17
